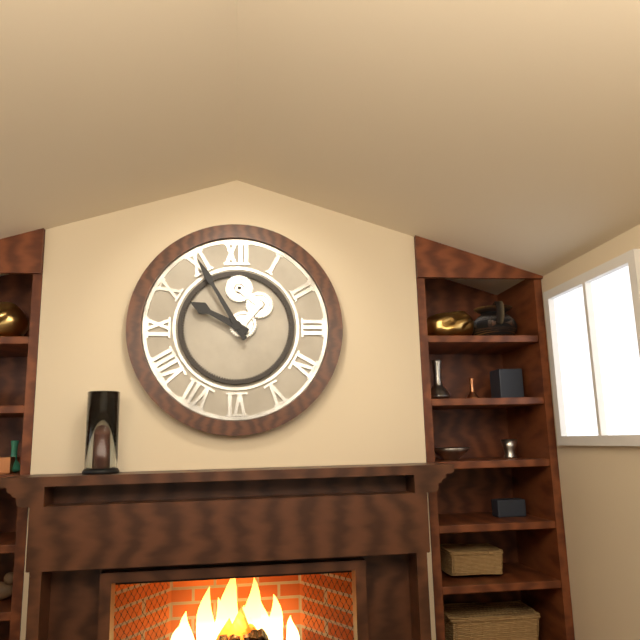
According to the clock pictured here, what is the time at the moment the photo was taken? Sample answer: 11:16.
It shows 9:55
